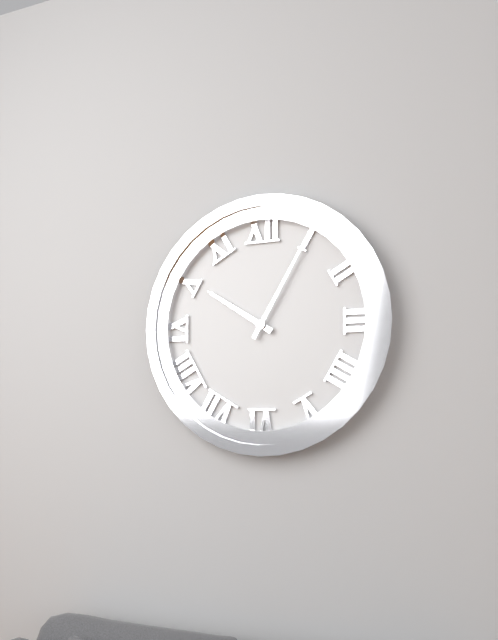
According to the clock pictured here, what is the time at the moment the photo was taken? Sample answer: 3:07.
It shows 10:05
